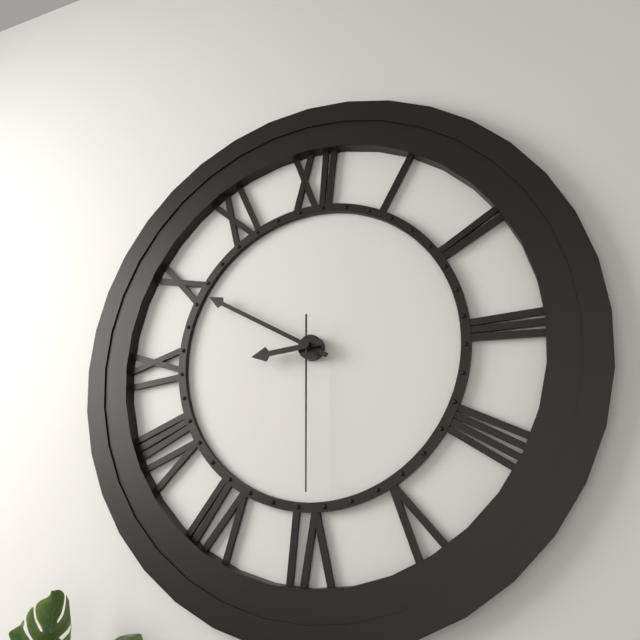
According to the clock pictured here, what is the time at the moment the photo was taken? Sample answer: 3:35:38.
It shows 8:50:30
